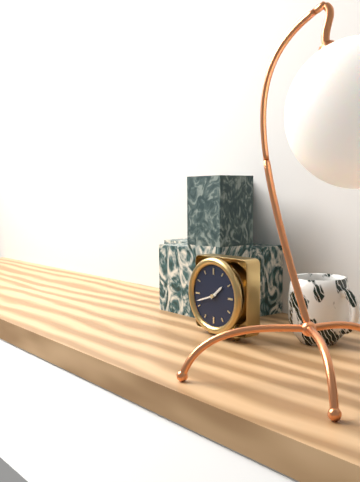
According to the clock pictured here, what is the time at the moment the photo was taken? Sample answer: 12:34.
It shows 1:42
